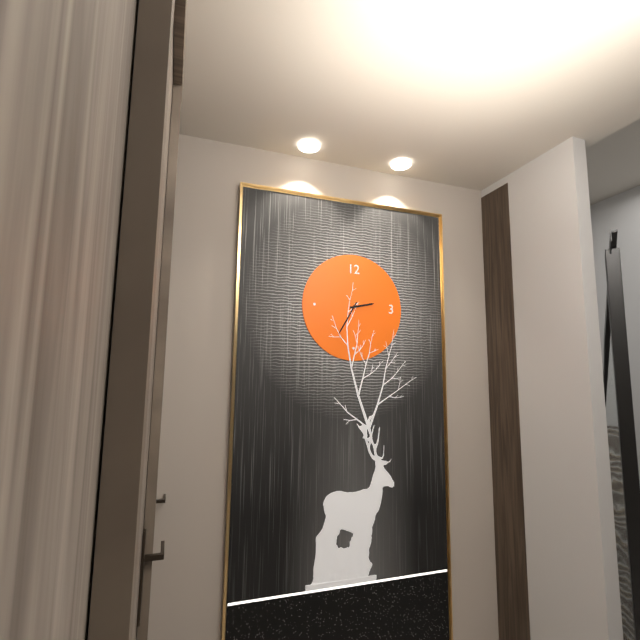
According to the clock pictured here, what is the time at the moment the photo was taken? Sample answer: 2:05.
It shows 2:35
